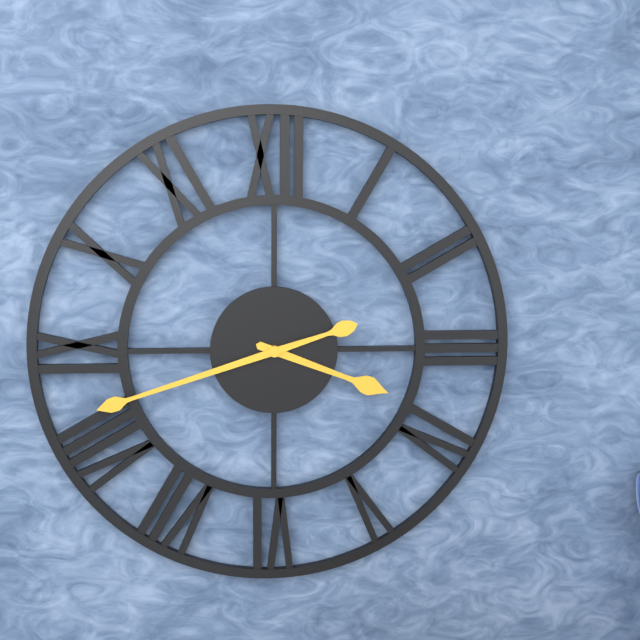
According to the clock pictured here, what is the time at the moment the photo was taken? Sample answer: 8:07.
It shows 3:42
